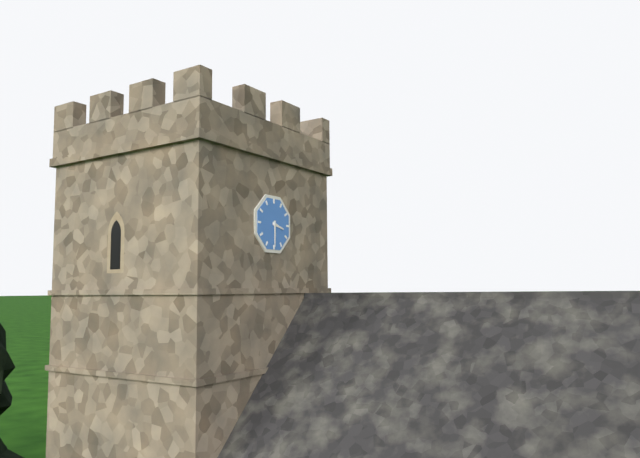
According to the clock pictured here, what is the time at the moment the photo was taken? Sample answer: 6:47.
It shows 3:30
